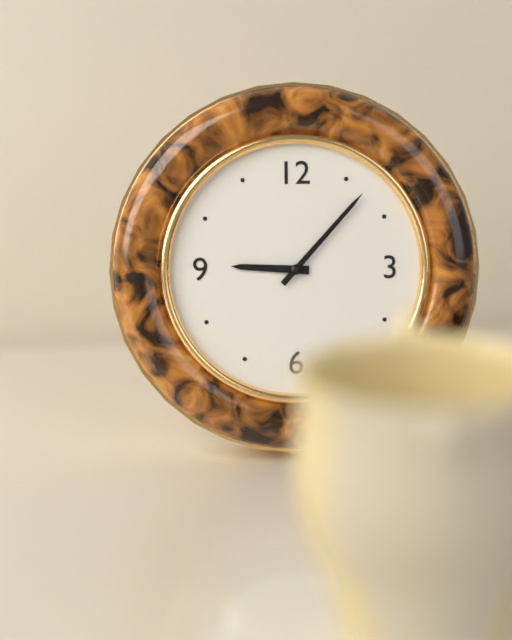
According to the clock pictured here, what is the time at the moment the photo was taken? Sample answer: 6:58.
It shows 9:07
